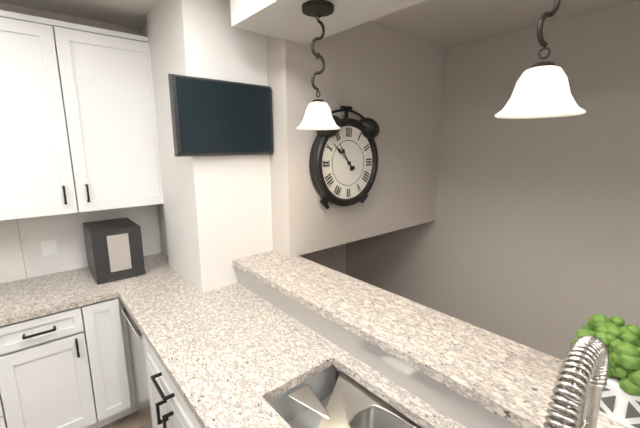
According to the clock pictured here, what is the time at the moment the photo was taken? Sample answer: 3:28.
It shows 10:52
